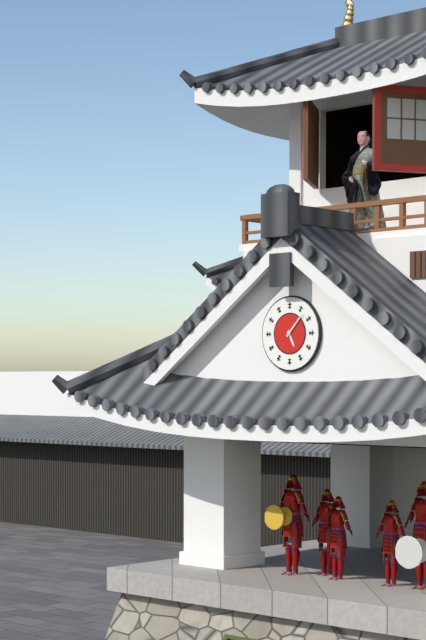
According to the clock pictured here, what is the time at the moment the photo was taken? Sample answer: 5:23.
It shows 5:07
